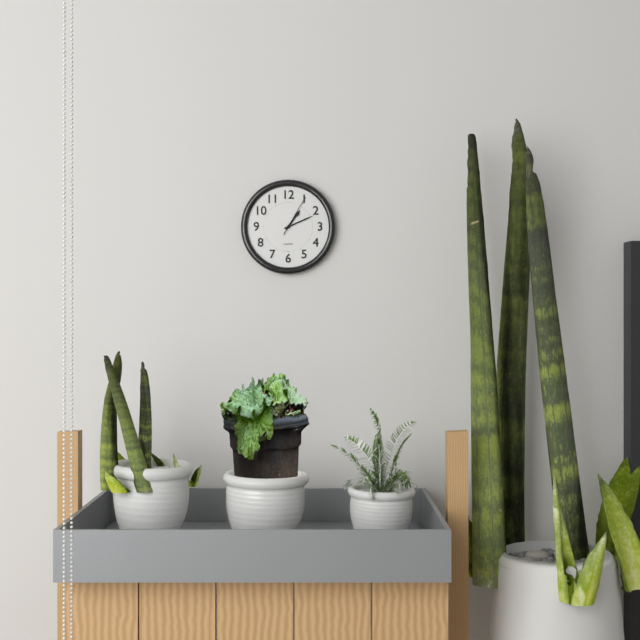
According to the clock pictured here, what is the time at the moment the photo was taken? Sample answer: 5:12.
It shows 1:11
